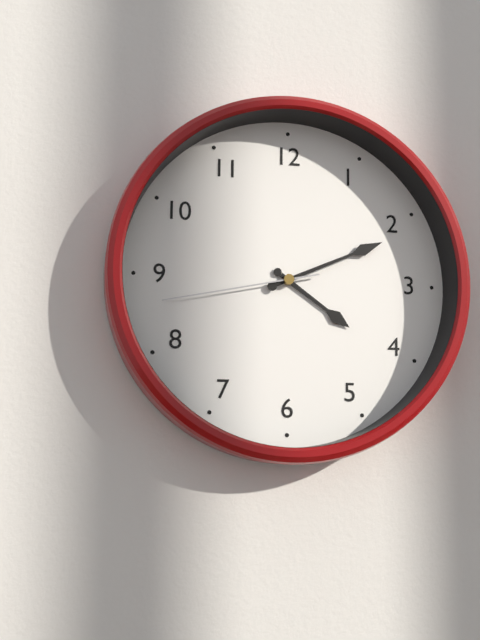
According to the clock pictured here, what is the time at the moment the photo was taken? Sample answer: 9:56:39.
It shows 4:11:43
